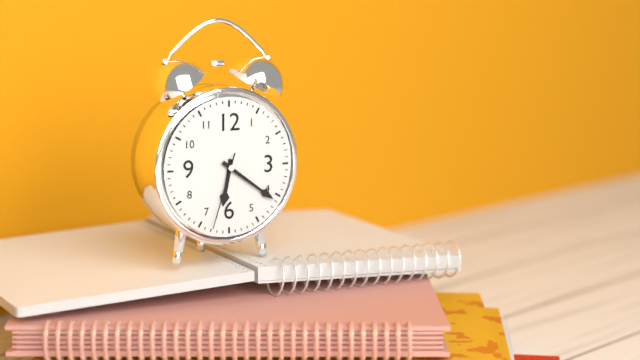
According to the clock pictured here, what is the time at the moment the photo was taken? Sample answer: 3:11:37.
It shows 6:21:33
